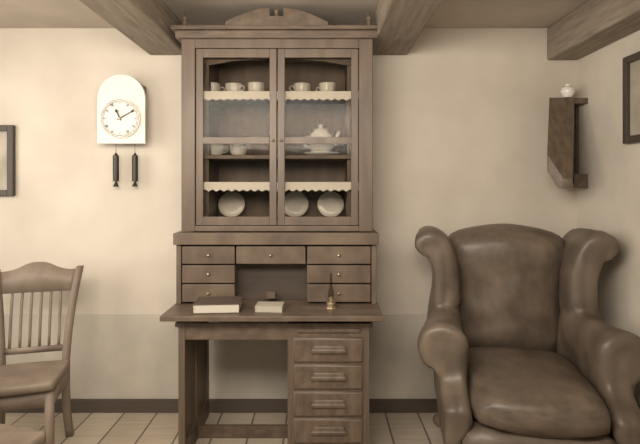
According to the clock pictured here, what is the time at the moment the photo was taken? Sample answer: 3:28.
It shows 11:10
